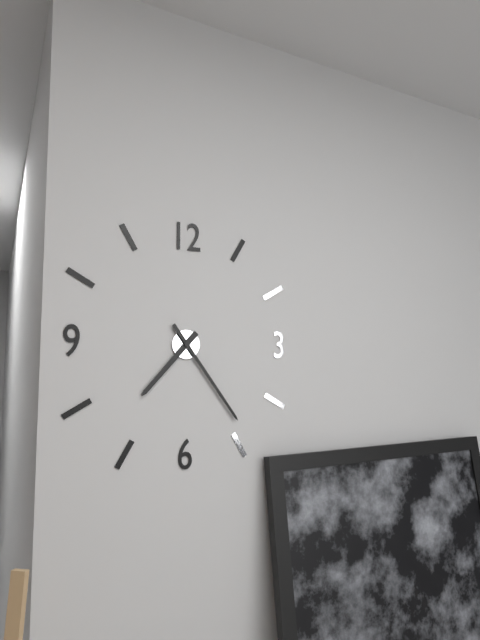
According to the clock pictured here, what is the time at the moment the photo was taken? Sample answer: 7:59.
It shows 7:24
